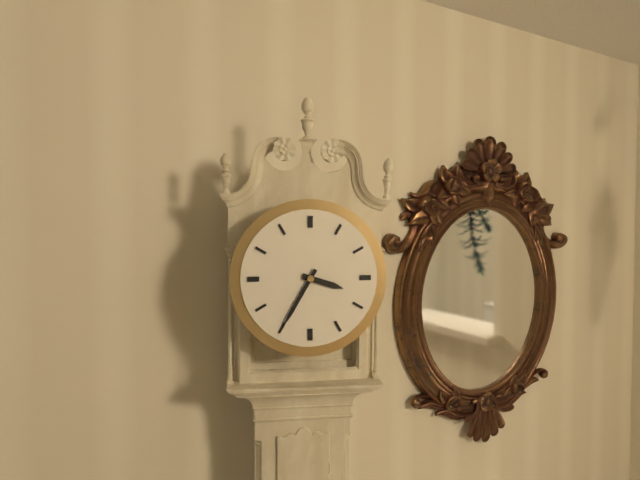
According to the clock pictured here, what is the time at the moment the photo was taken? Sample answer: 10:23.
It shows 3:35
